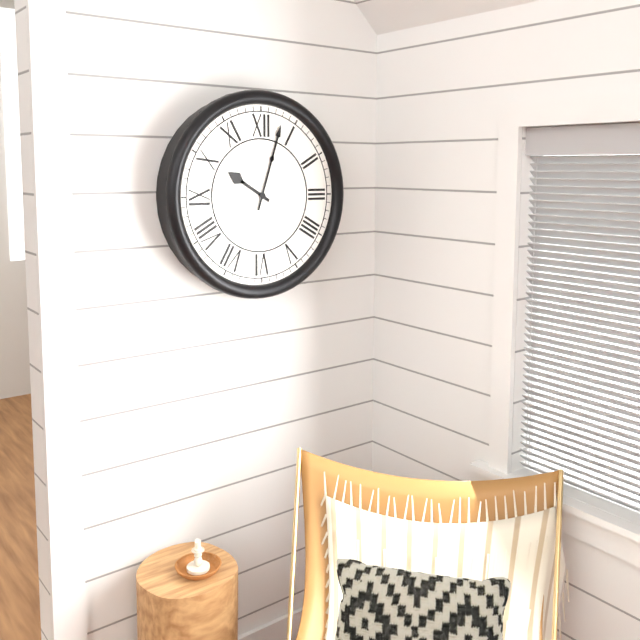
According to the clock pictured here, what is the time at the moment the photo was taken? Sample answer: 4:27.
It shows 10:03
